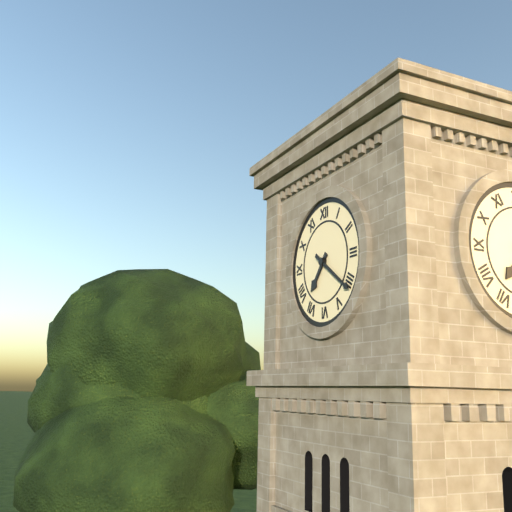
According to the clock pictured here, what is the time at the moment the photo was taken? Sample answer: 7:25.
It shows 7:21
